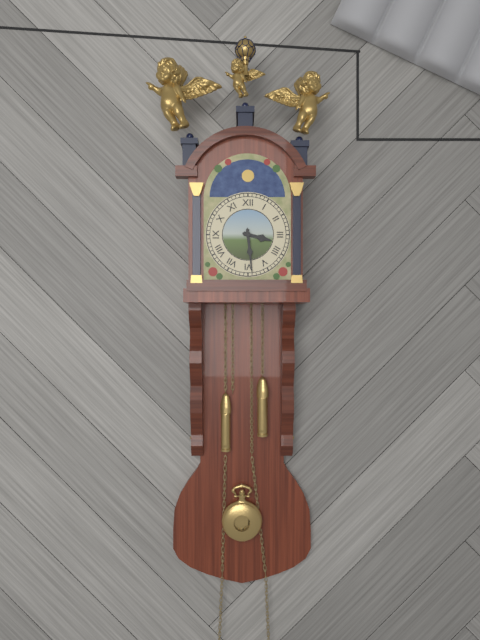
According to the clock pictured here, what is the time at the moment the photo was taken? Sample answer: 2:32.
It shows 3:29
